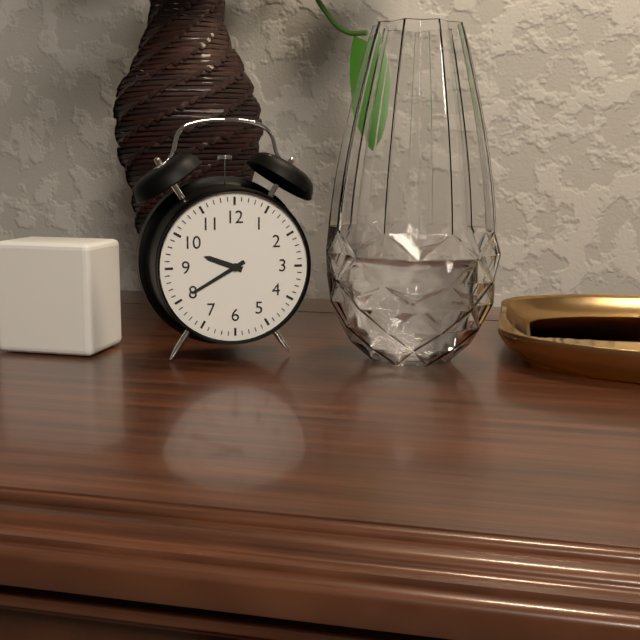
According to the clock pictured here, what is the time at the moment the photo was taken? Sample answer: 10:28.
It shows 9:40
